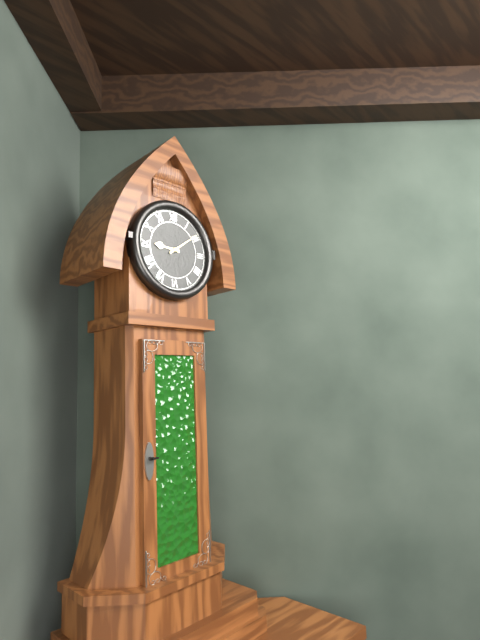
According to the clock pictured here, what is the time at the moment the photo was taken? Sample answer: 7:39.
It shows 9:09
